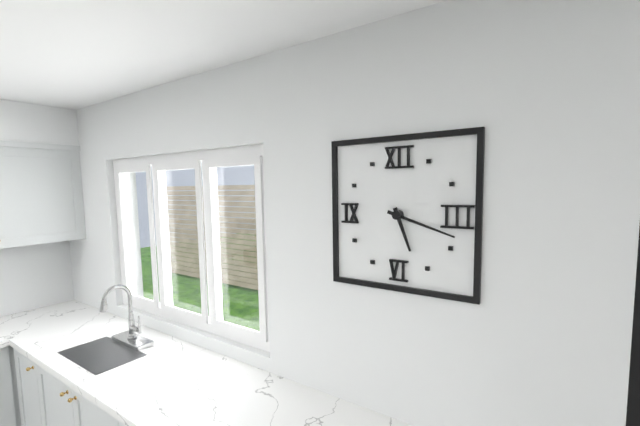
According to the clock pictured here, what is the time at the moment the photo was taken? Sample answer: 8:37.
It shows 5:18
